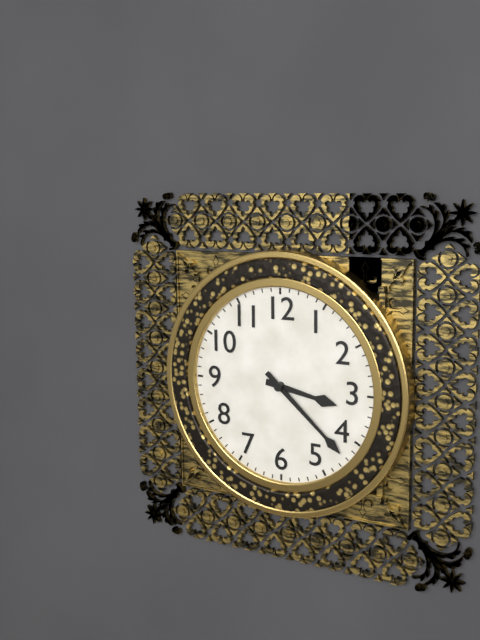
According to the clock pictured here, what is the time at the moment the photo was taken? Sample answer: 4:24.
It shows 3:22
